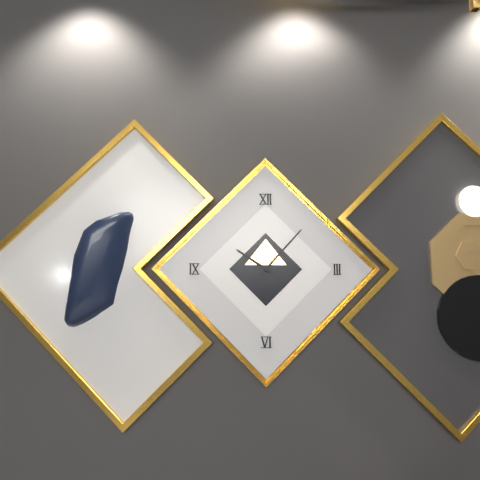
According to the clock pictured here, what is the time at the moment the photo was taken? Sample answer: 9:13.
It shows 10:07
